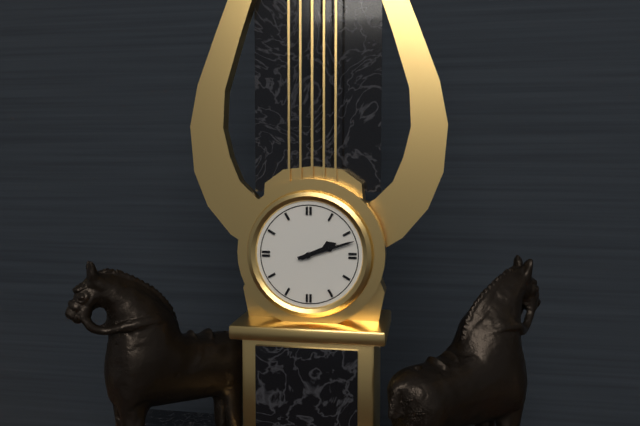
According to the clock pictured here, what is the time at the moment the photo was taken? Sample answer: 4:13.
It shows 2:12
